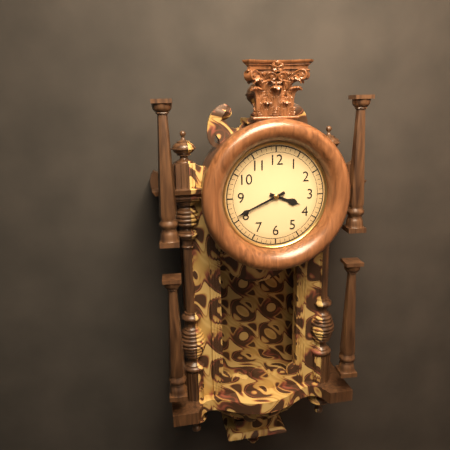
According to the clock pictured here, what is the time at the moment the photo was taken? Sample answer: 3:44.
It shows 3:41
